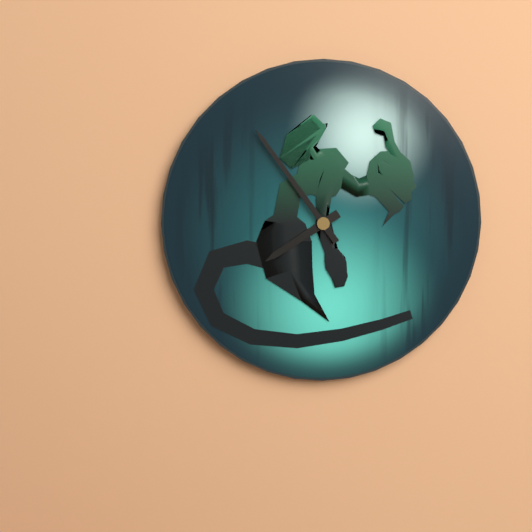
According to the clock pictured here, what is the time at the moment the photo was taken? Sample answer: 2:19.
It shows 7:54
